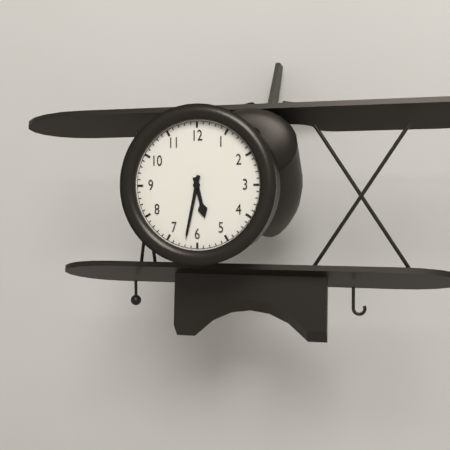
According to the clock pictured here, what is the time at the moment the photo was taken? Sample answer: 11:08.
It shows 5:32
